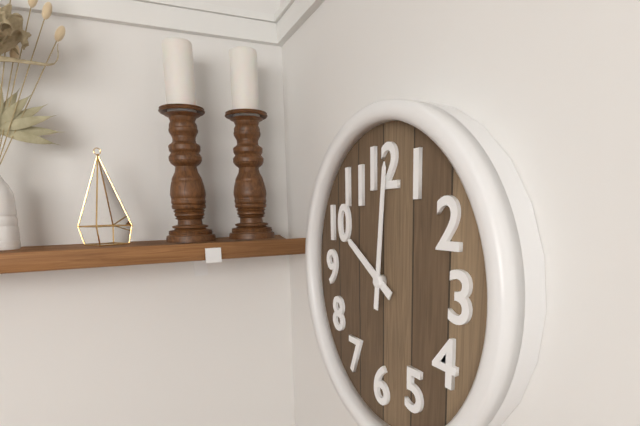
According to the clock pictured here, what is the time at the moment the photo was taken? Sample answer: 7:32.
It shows 10:01
